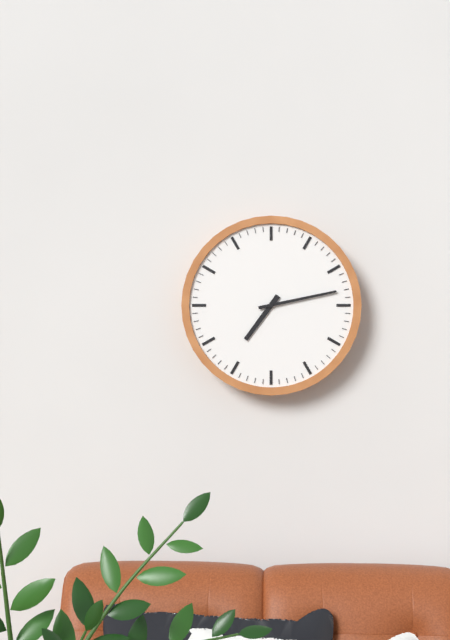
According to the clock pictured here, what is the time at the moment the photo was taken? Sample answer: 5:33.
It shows 7:13
